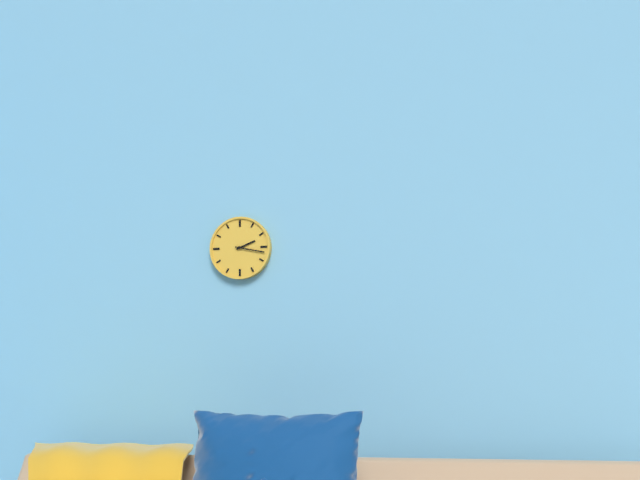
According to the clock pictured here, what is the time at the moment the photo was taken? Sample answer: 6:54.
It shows 2:17
